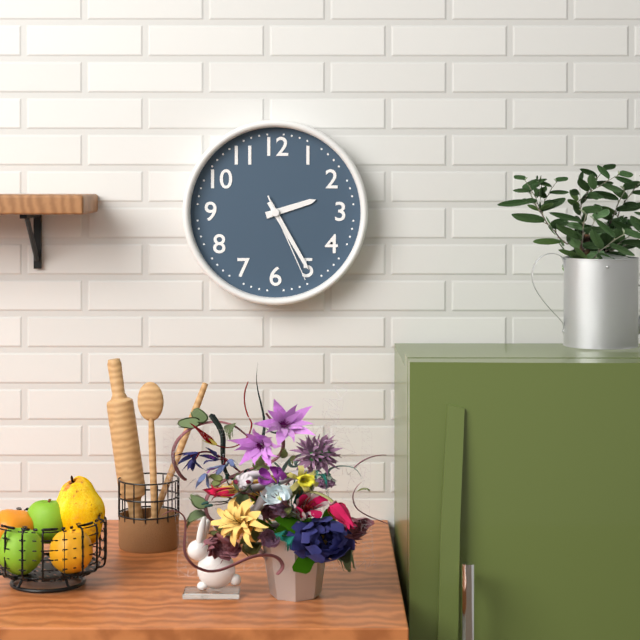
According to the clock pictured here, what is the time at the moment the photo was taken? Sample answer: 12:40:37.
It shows 2:25:26
